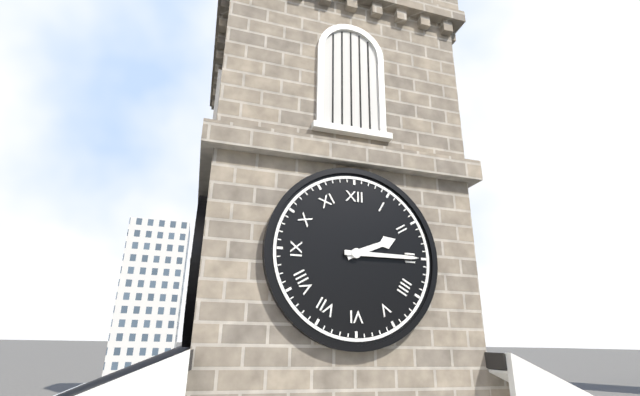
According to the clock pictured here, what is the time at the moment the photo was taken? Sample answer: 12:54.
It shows 2:15
